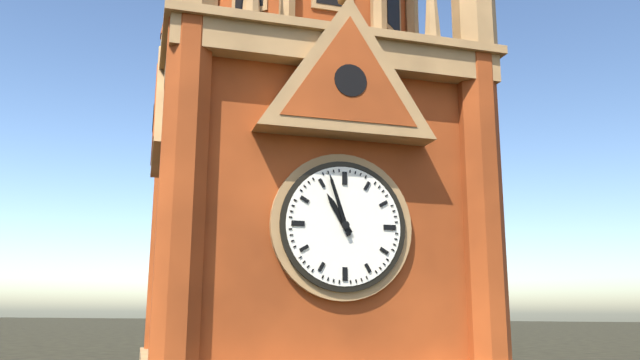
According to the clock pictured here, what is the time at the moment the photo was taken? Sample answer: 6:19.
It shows 10:57
